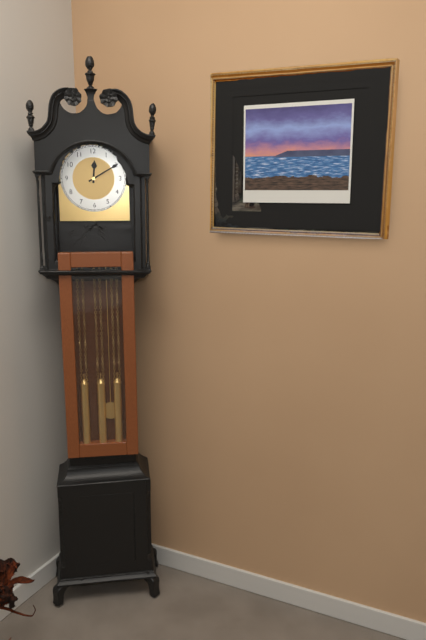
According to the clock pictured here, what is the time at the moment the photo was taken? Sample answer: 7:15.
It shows 12:10
